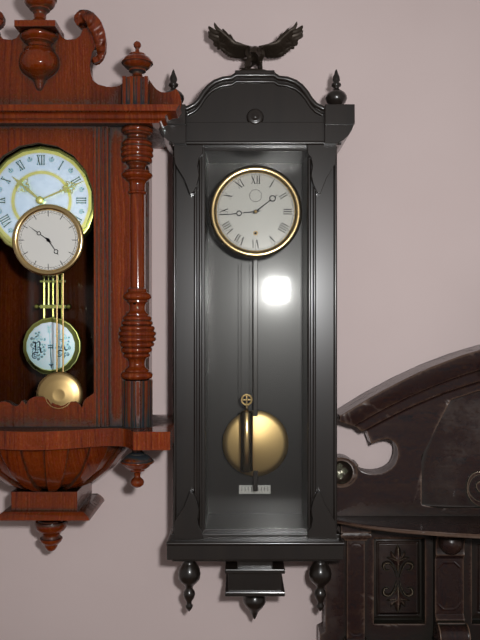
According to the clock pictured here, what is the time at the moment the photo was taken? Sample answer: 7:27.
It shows 1:44
